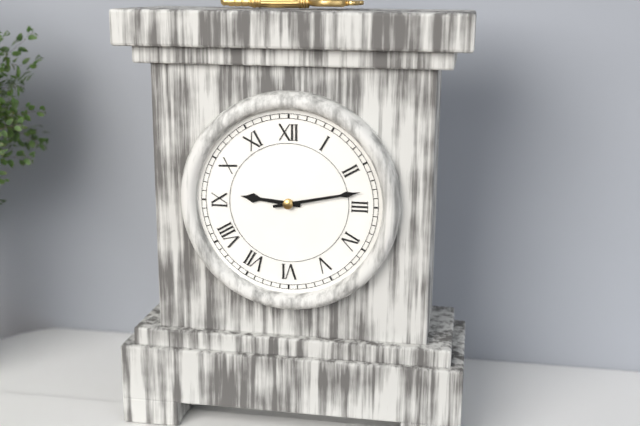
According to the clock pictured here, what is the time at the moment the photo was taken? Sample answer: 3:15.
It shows 9:13
